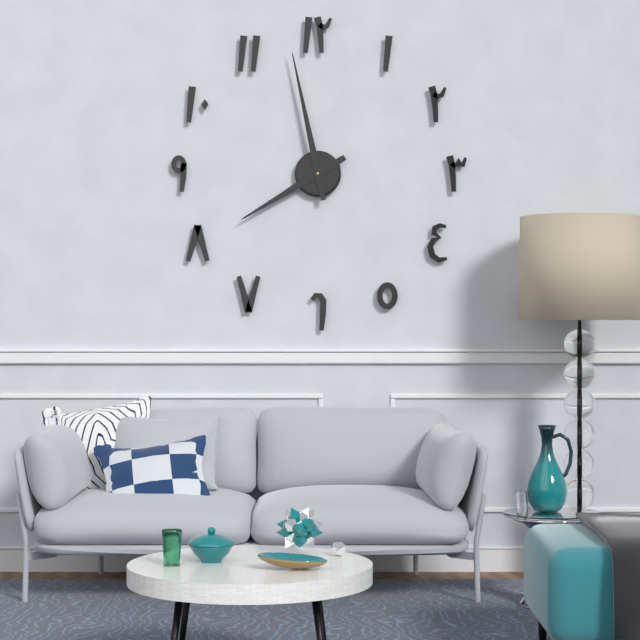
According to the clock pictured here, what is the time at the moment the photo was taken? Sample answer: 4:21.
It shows 7:58
